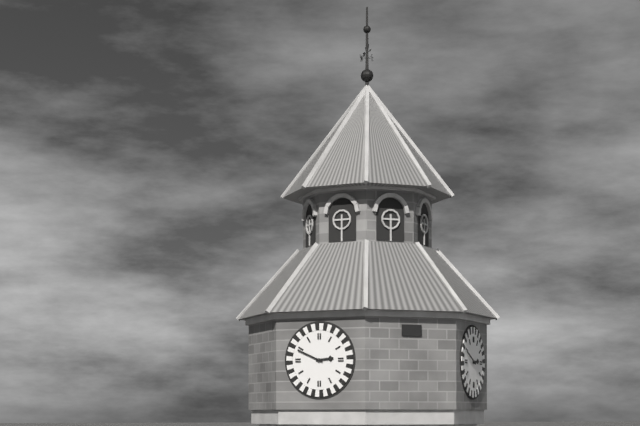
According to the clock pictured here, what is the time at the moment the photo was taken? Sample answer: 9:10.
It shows 2:49
